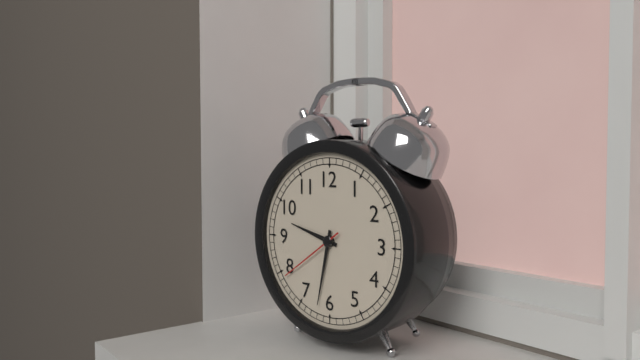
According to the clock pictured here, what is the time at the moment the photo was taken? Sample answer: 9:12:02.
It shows 9:32:39
